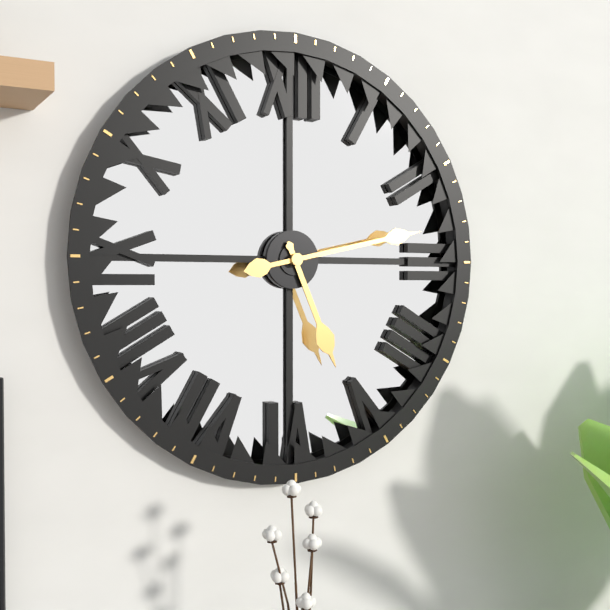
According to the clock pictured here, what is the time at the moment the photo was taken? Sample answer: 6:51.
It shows 5:13
